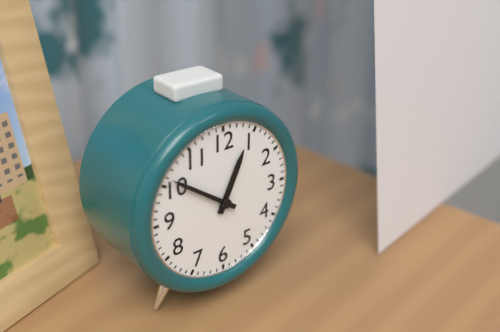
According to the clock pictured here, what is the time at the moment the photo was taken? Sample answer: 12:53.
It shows 12:51
